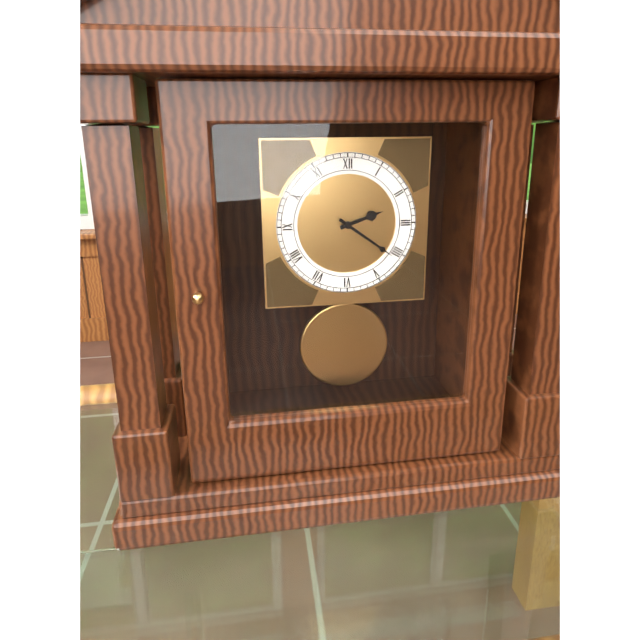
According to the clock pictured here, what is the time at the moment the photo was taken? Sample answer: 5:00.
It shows 2:21
